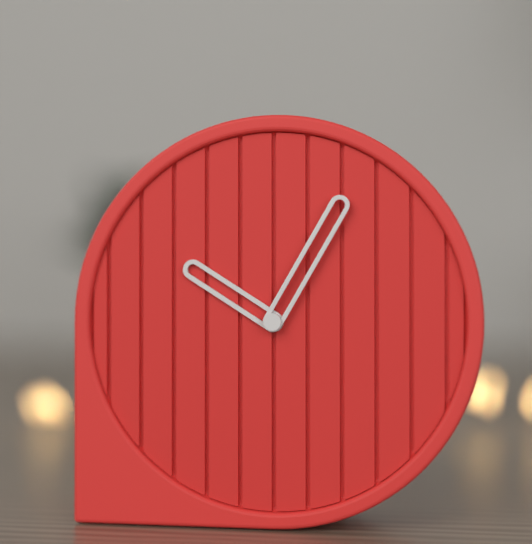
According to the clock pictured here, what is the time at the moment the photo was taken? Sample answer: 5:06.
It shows 10:05
